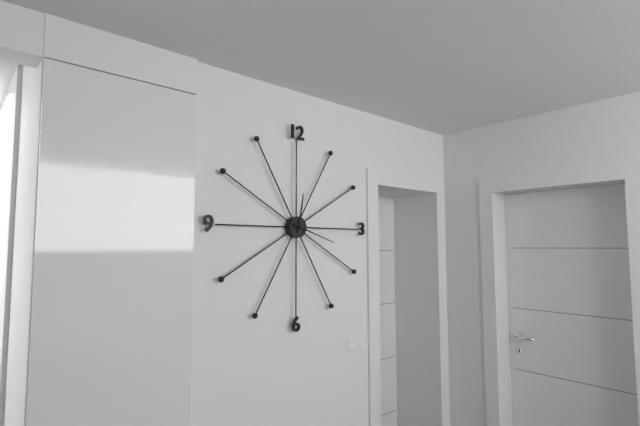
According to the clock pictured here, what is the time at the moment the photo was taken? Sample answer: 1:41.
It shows 12:18
